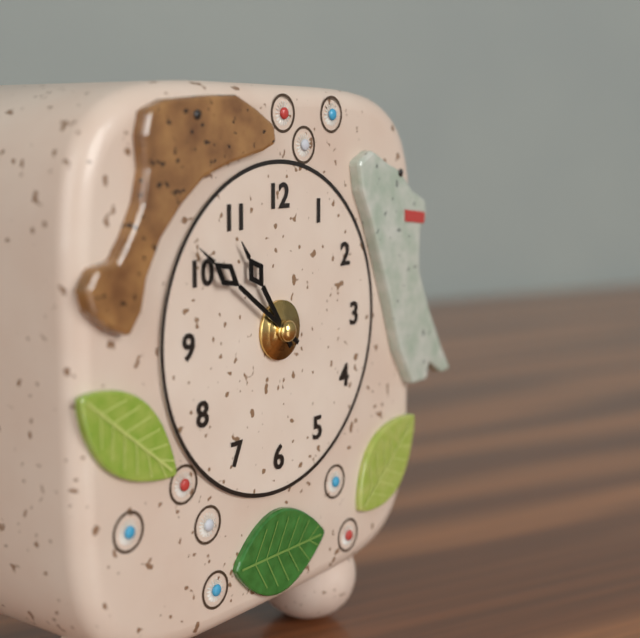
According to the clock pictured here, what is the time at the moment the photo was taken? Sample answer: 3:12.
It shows 10:51
